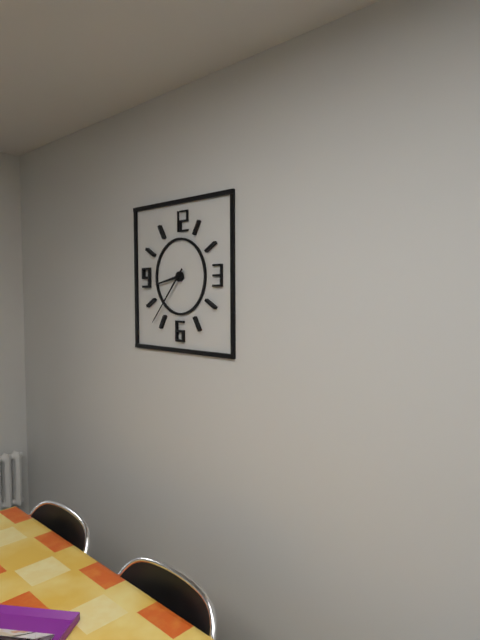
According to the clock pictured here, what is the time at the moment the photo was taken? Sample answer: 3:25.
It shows 8:37
